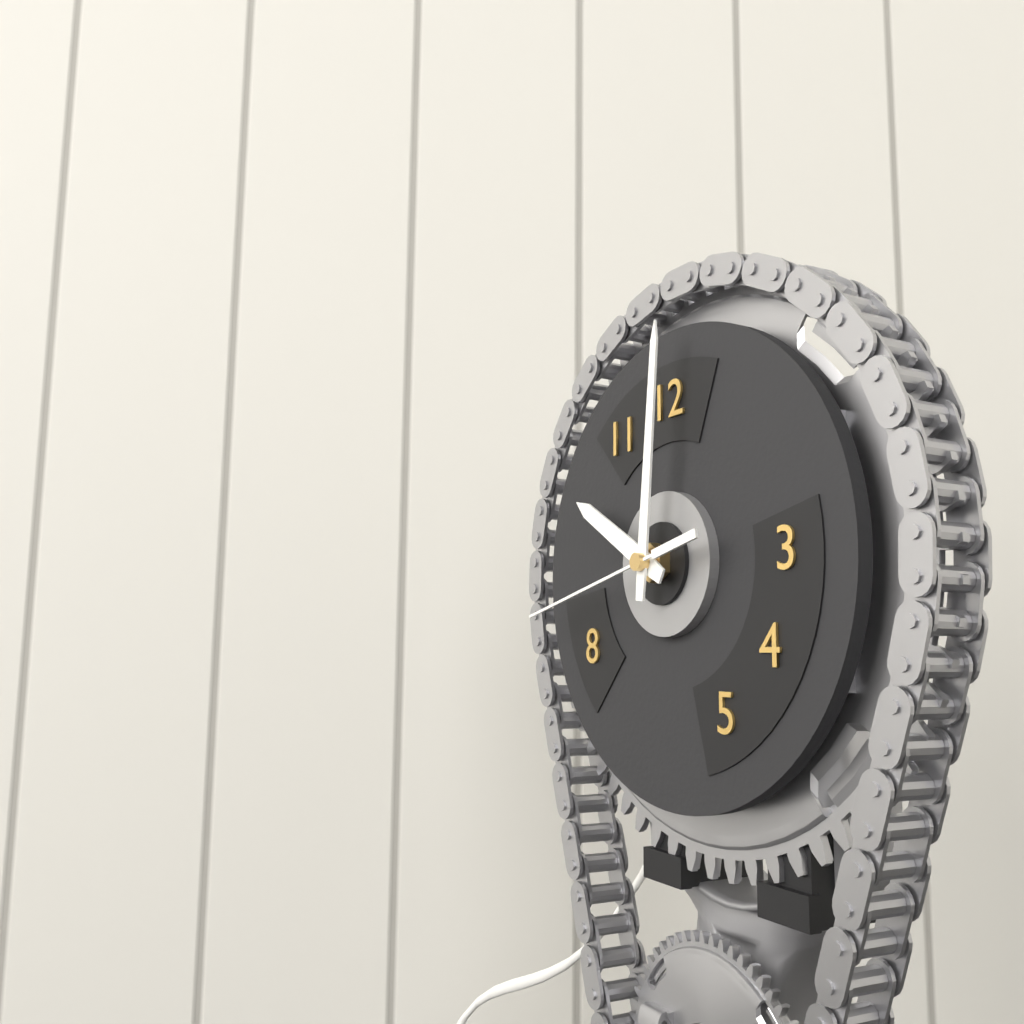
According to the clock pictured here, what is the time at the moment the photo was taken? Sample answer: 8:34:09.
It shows 10:01:43
